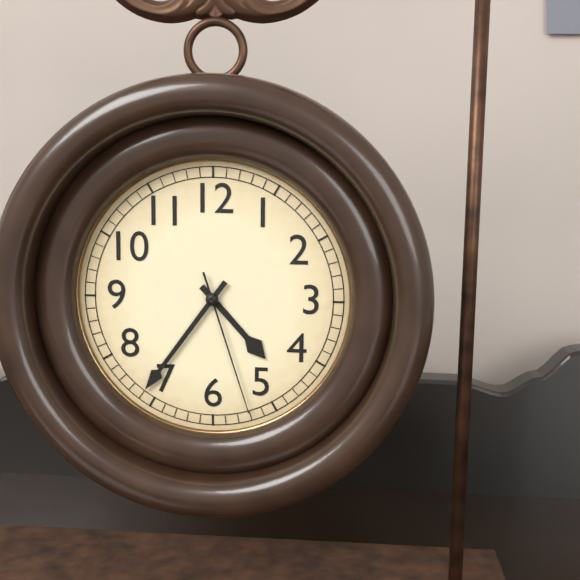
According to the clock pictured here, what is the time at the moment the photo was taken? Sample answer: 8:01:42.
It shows 4:36:27
